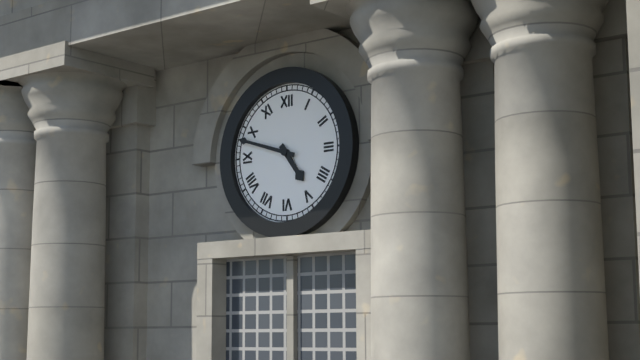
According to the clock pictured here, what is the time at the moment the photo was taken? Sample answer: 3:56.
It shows 4:48
